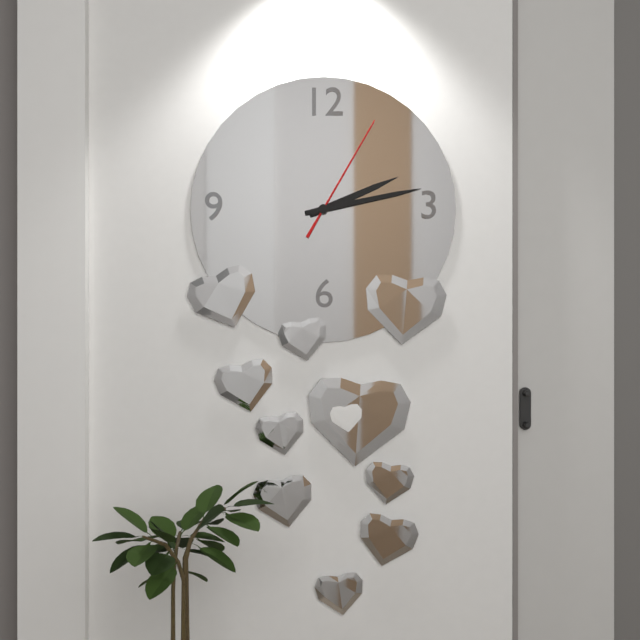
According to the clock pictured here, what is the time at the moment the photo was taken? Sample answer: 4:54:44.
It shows 2:13:05
